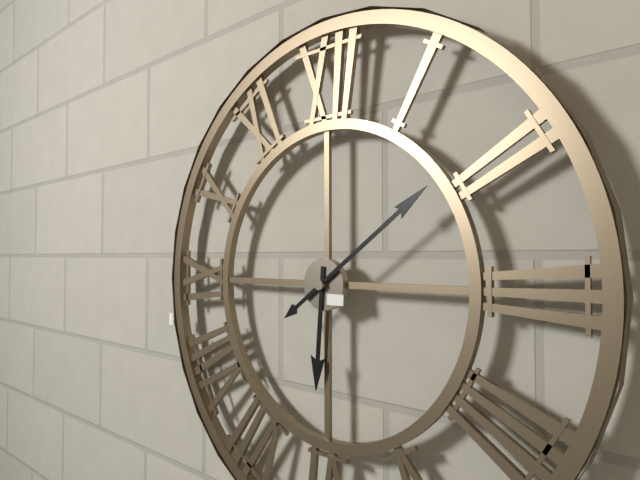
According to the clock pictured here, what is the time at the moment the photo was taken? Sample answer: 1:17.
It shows 6:09
